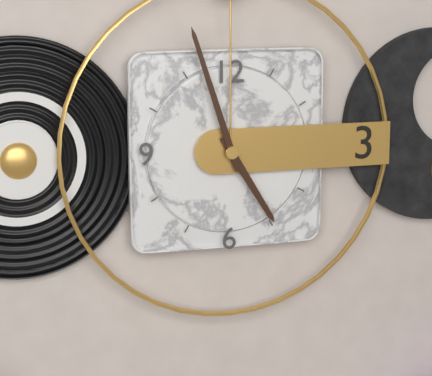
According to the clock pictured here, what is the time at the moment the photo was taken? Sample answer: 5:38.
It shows 4:57
